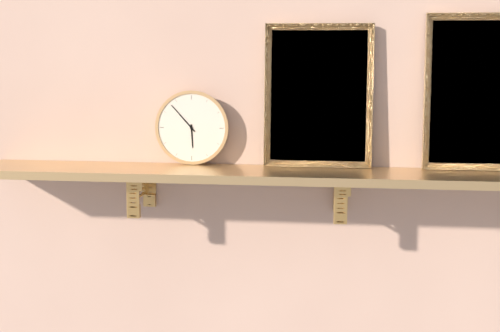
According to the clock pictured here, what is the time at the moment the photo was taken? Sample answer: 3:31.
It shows 5:53
